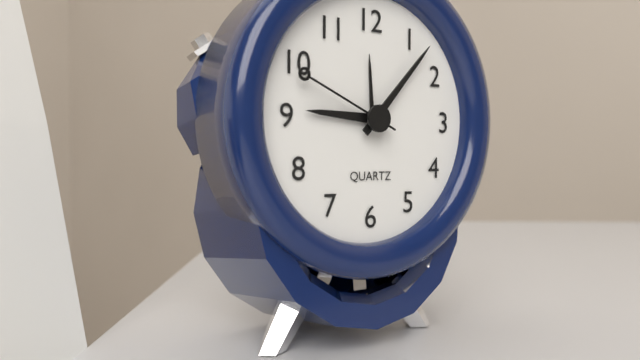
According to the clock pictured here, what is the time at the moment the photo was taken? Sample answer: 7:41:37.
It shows 9:07:49
